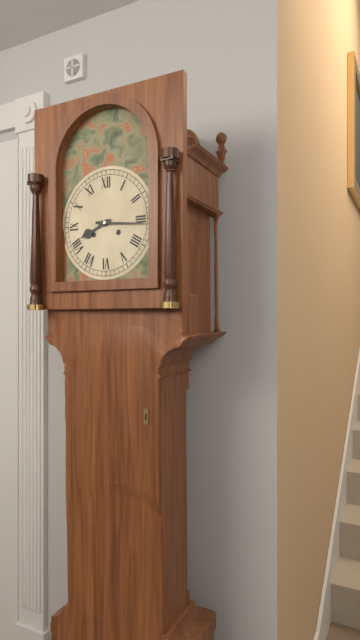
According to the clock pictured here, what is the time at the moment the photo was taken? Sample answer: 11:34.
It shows 8:16
